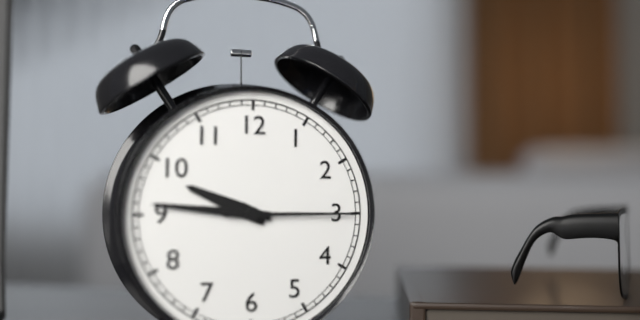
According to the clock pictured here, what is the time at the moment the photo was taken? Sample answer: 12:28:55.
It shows 9:46:15
